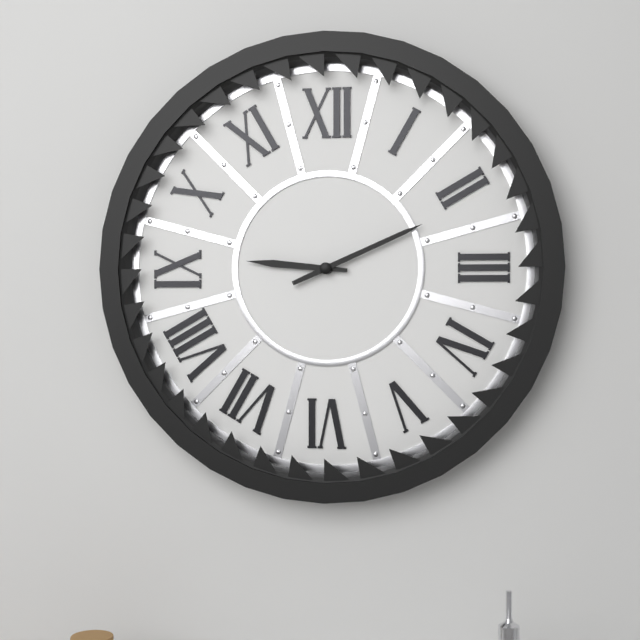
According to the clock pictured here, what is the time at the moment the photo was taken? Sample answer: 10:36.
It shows 9:11
